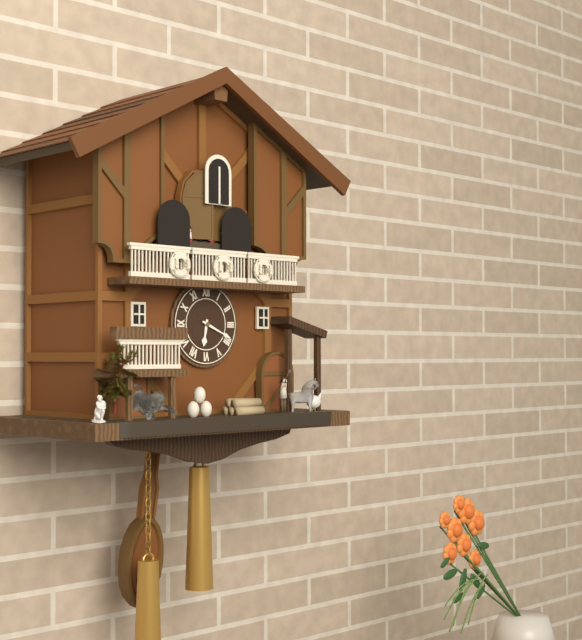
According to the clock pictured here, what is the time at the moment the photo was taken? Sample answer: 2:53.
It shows 6:19
